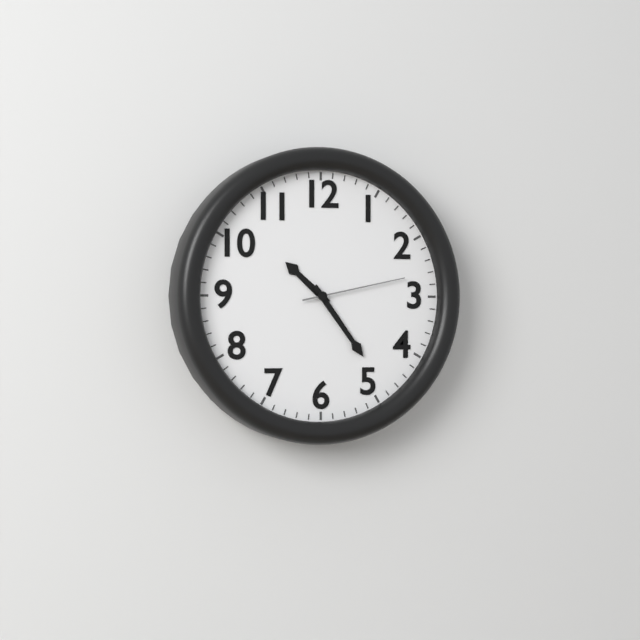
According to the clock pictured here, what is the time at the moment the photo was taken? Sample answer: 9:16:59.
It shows 10:24:13
